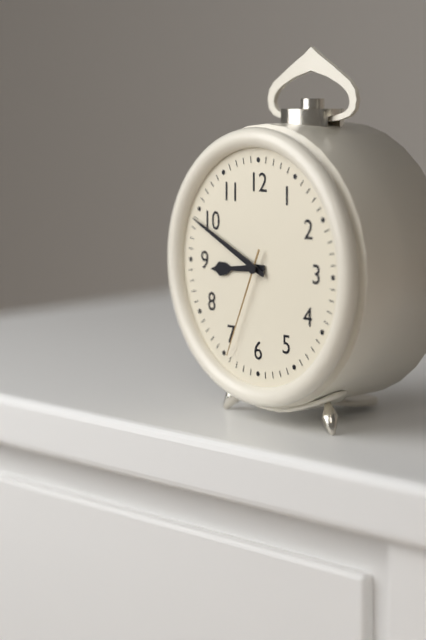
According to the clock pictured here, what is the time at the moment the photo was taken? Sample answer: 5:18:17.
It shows 8:49:34
